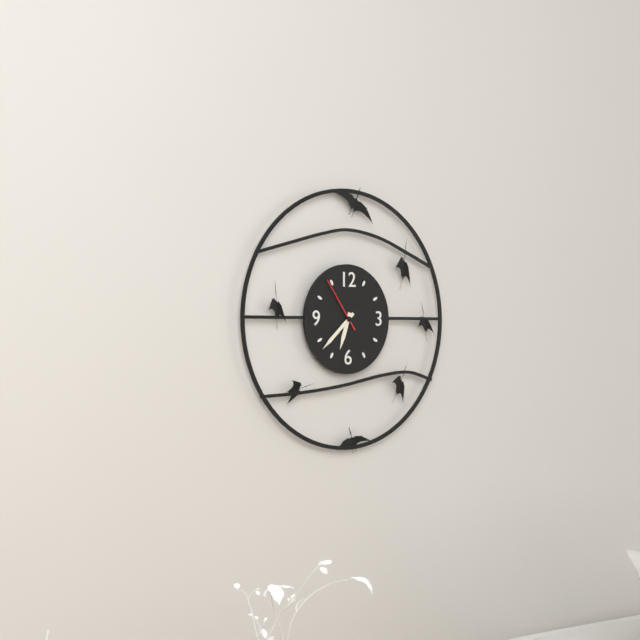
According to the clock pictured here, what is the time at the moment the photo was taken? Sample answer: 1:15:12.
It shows 6:38:54
